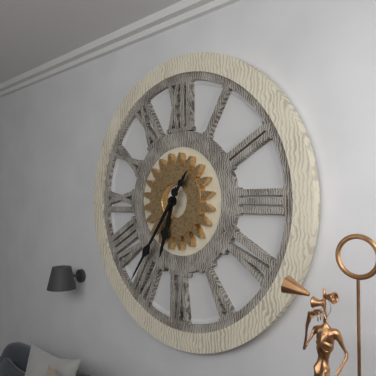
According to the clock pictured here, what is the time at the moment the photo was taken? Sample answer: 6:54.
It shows 6:36
